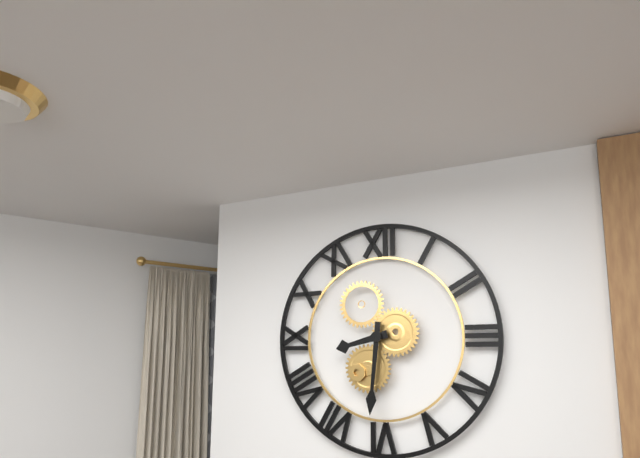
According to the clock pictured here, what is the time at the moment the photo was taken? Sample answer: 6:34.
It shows 8:31
